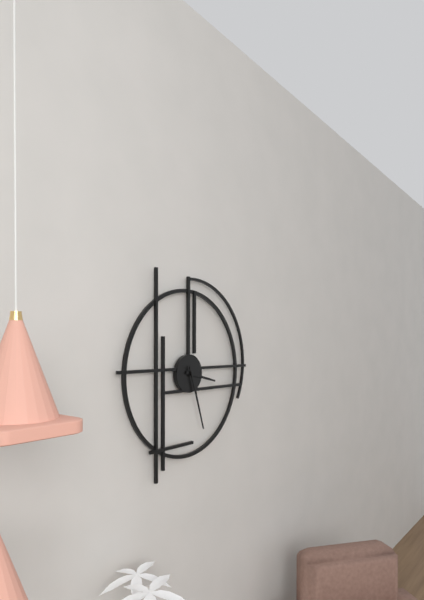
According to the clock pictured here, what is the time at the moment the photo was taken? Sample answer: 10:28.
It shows 3:27
